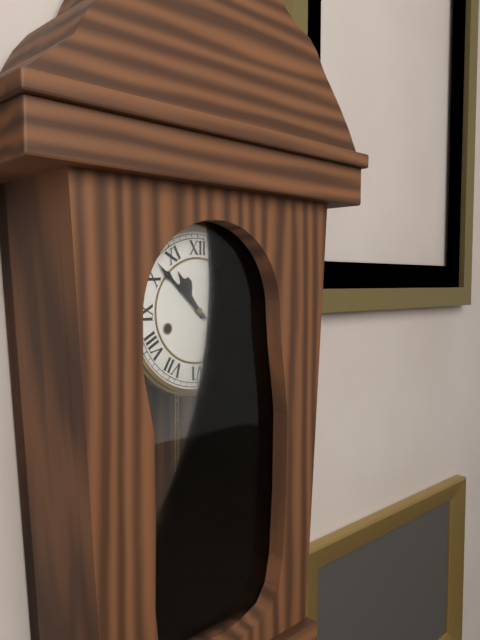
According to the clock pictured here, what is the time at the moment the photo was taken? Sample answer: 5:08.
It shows 10:52
